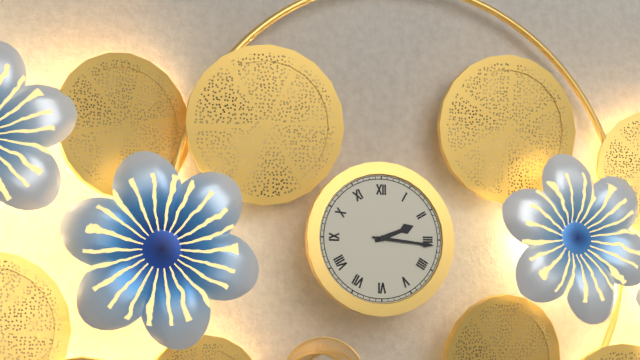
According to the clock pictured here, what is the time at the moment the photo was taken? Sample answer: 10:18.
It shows 2:16
